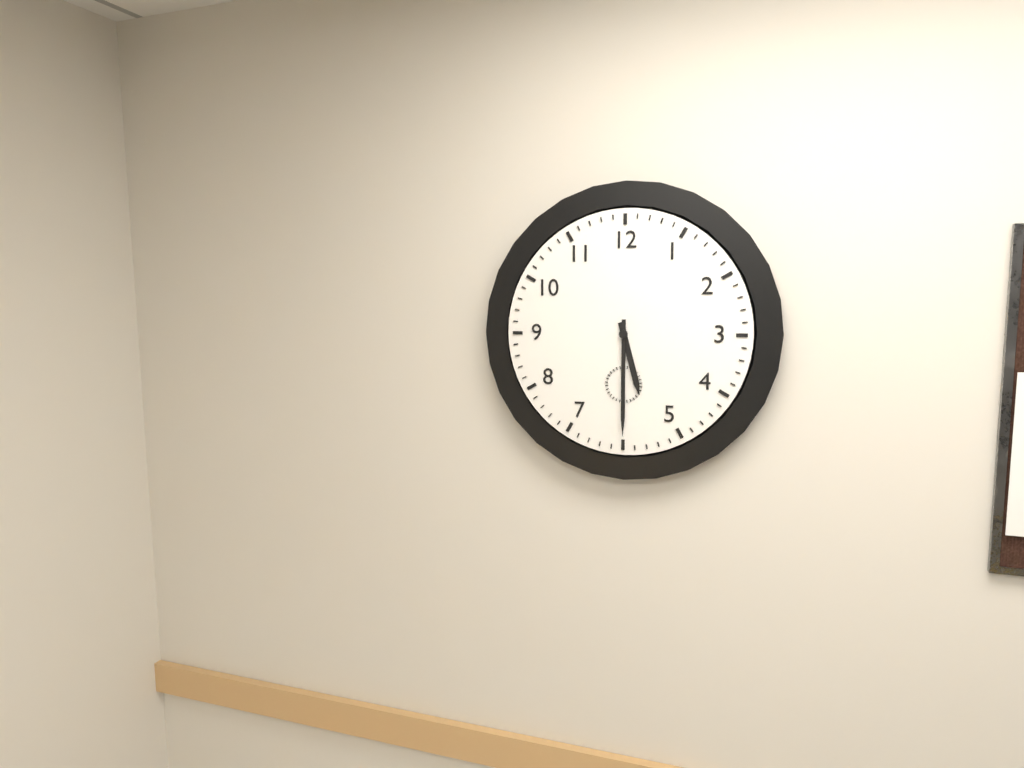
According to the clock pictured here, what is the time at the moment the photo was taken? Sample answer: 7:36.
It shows 5:30
